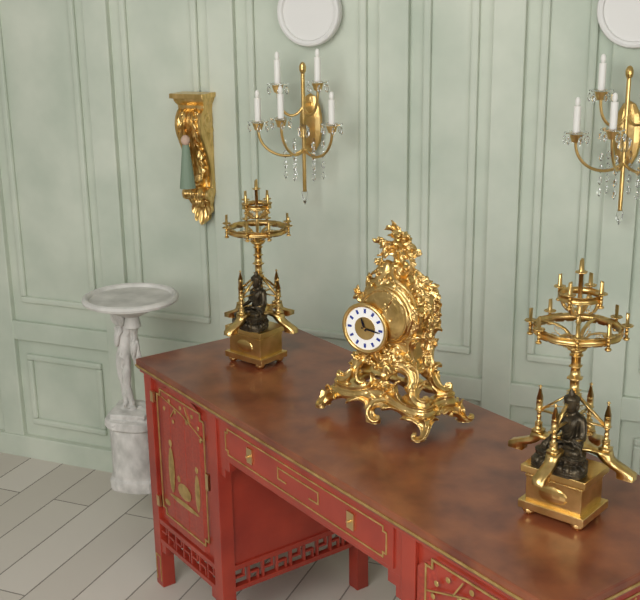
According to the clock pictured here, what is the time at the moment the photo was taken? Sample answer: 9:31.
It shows 11:16
